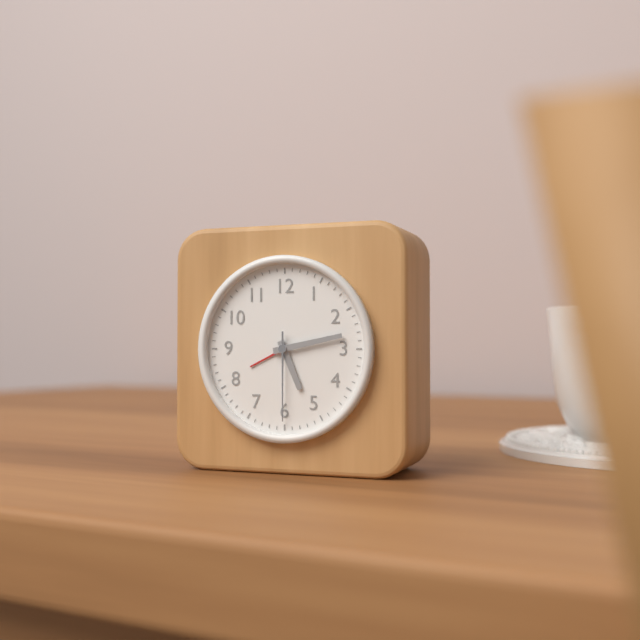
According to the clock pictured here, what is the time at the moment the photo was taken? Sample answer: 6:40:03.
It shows 5:13:30
